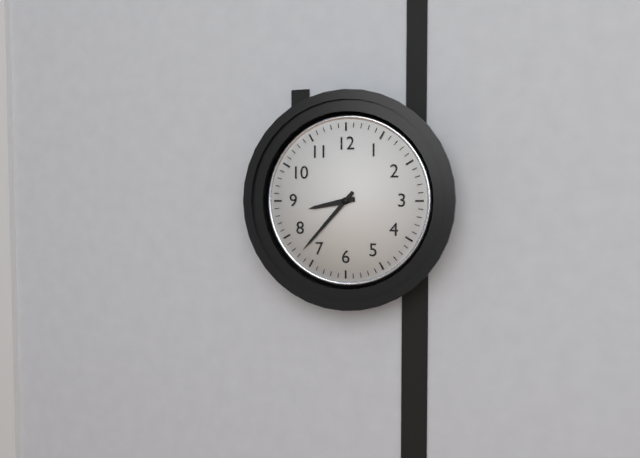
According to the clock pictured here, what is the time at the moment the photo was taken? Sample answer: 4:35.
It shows 8:37
